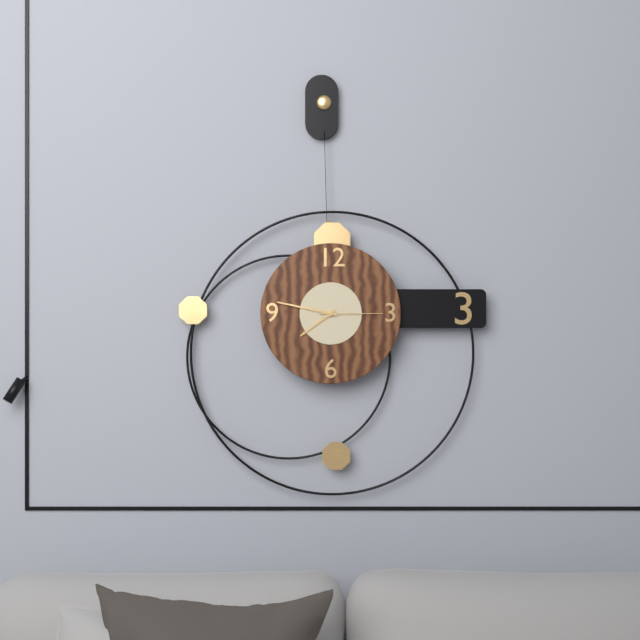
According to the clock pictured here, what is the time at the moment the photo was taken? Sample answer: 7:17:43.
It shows 7:47:15
